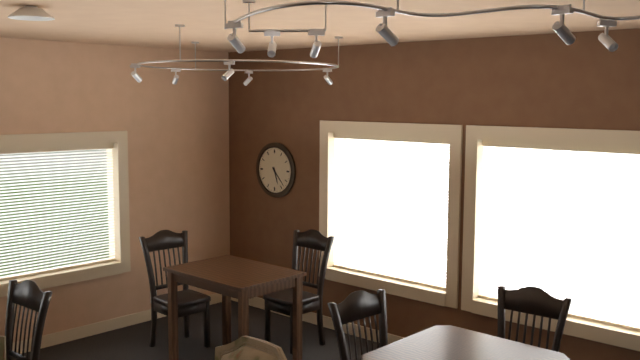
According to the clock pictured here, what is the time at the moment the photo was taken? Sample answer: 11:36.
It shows 5:23
